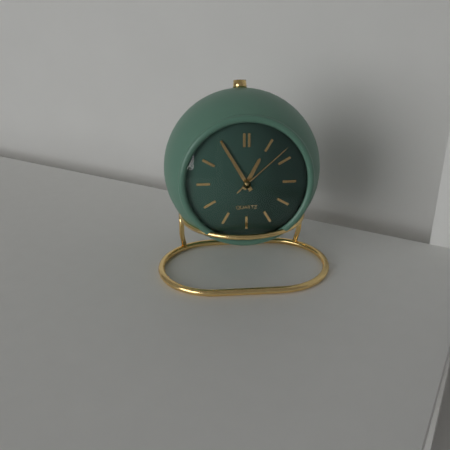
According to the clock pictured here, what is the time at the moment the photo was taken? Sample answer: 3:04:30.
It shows 12:55:08
